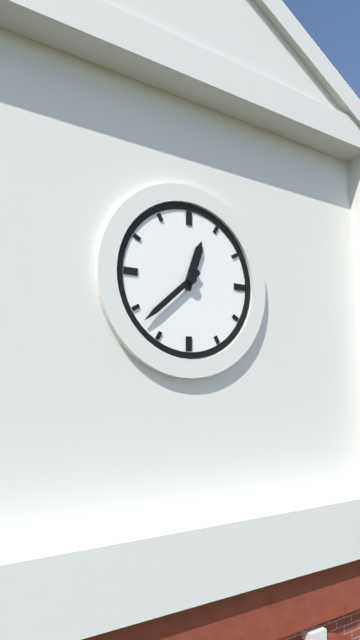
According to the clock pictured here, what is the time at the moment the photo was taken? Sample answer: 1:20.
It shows 12:38
